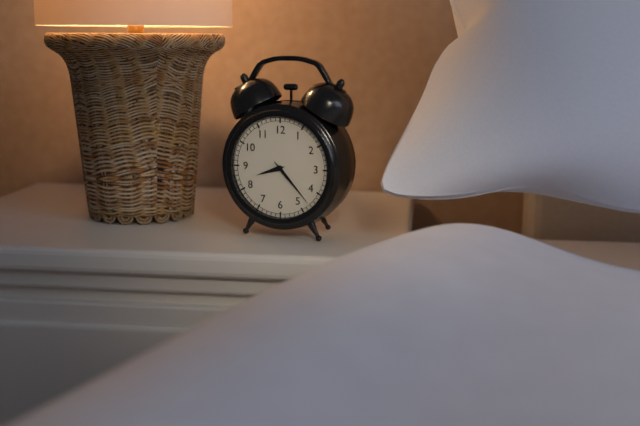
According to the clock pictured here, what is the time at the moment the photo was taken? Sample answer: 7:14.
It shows 8:23
